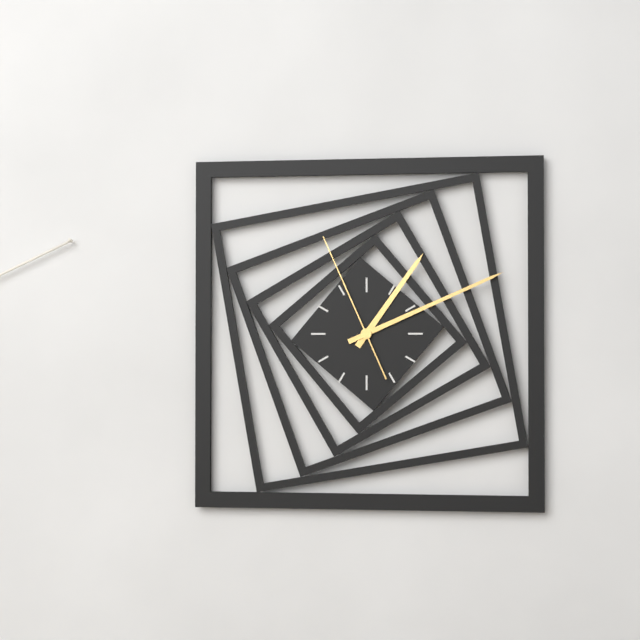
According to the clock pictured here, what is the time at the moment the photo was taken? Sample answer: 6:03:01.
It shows 1:11:56
